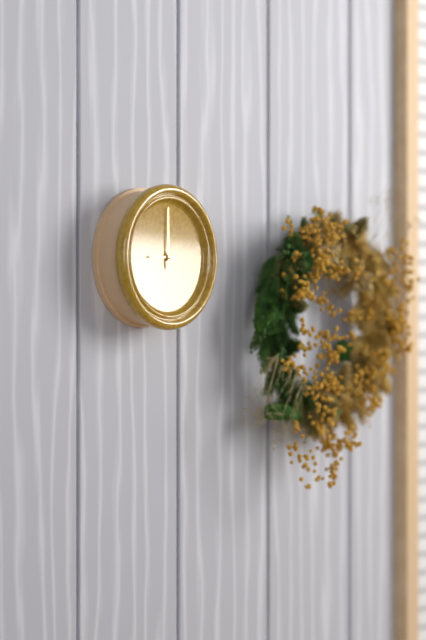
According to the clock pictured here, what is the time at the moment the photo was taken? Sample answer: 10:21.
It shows 9:00
